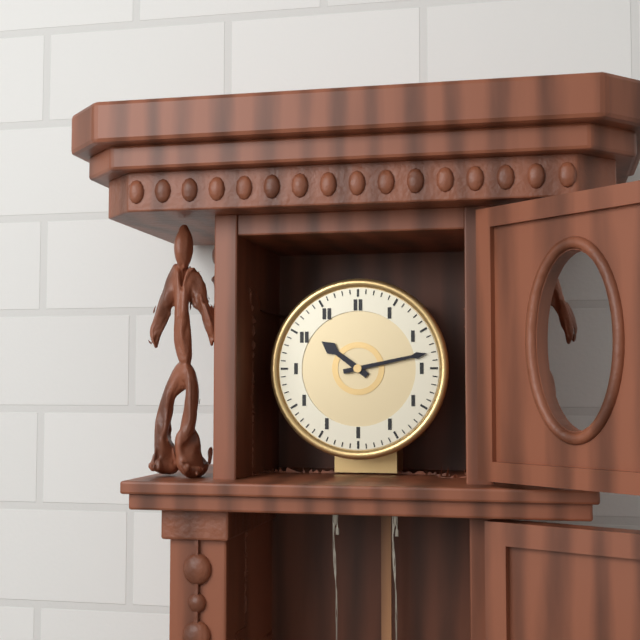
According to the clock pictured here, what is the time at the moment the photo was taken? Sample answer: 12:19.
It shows 10:13
